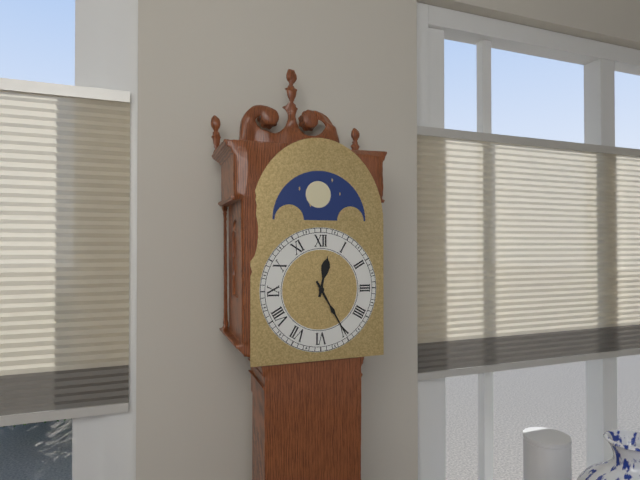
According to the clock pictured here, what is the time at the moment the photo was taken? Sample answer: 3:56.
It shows 12:25
